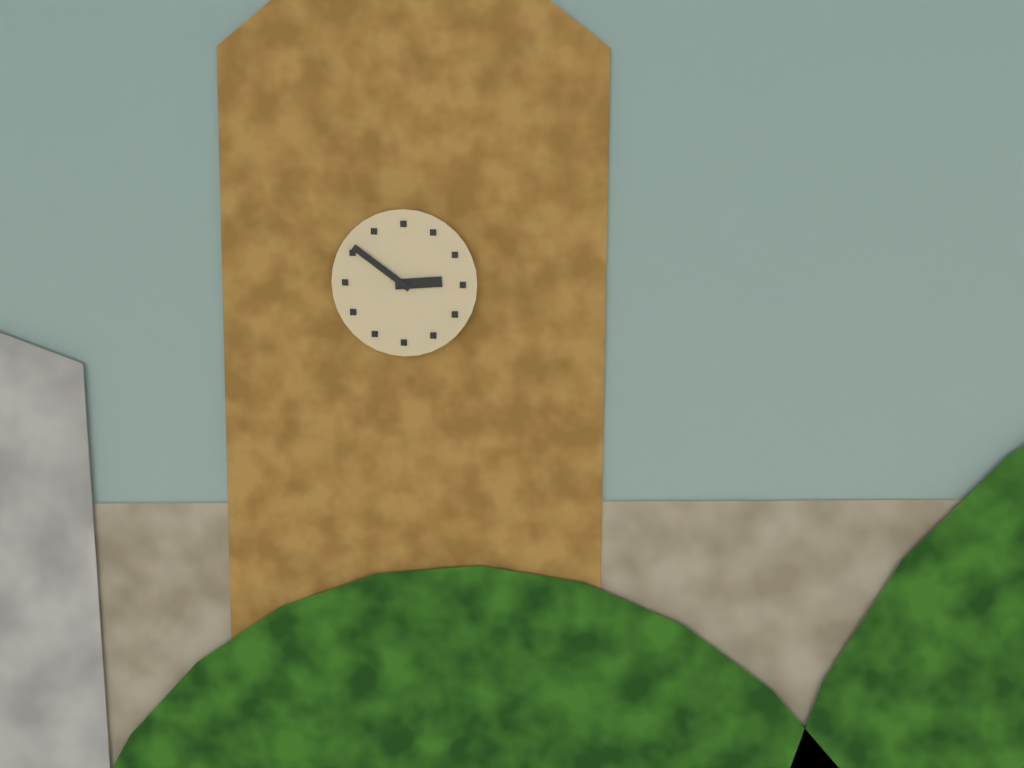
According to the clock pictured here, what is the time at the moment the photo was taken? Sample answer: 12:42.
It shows 2:51
